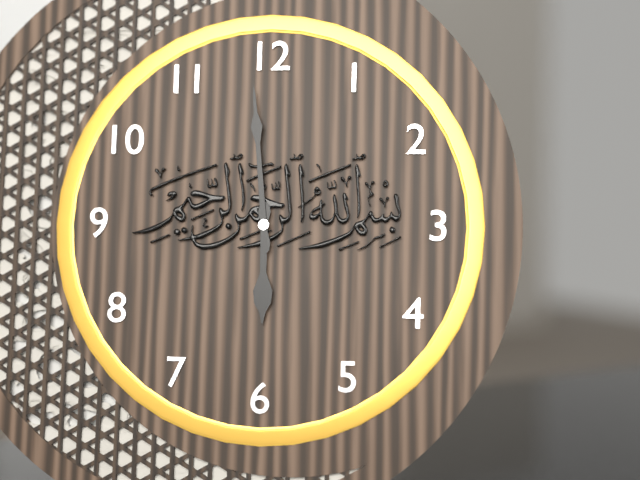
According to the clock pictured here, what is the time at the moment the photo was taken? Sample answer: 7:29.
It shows 5:59
